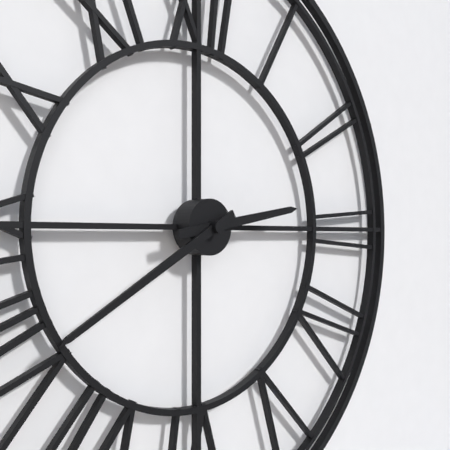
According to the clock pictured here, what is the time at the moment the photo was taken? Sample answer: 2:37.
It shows 2:40
